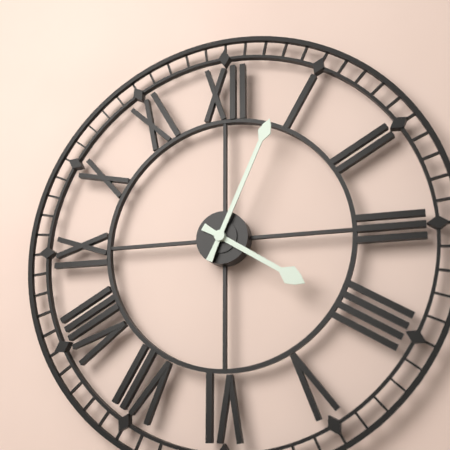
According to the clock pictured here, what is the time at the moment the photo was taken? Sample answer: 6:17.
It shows 4:04
